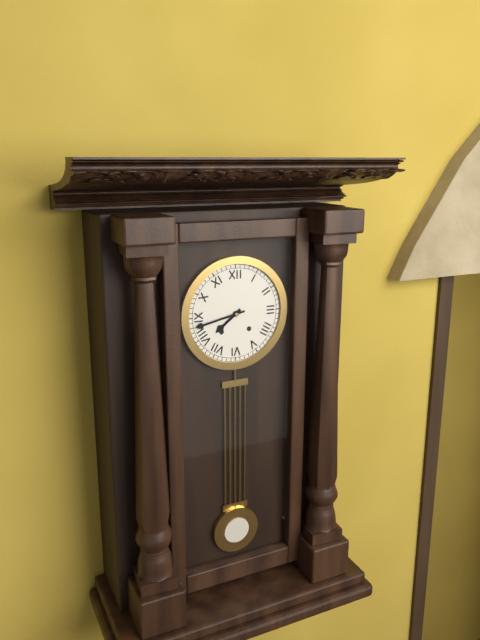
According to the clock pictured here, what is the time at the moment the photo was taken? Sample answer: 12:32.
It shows 7:43
